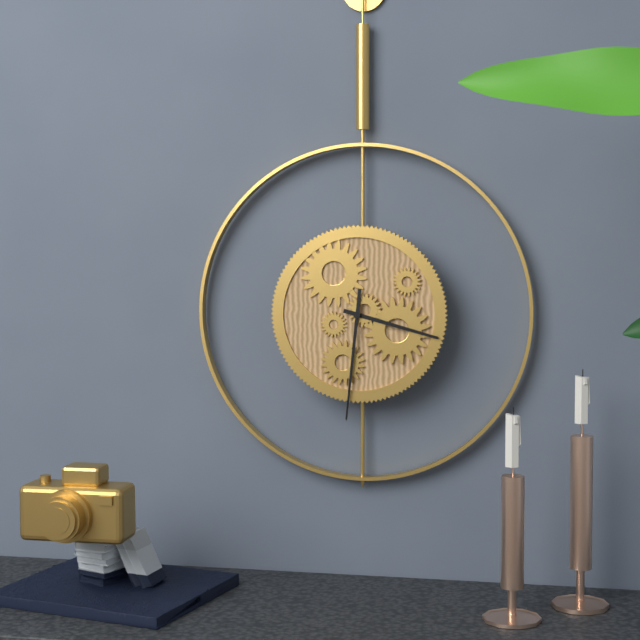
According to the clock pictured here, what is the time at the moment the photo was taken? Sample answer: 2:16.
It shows 3:31
